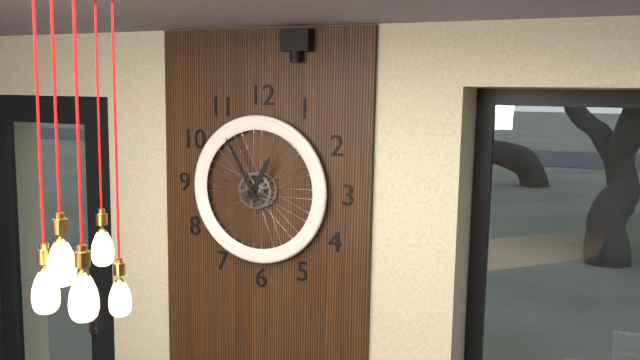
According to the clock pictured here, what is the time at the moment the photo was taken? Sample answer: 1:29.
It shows 12:55
